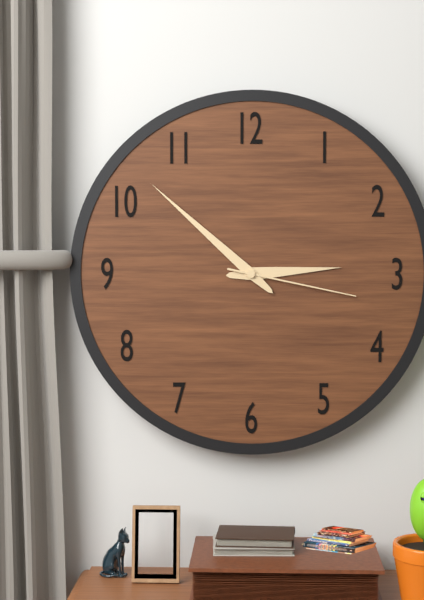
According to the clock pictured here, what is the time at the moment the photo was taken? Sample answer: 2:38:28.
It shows 2:52:17
